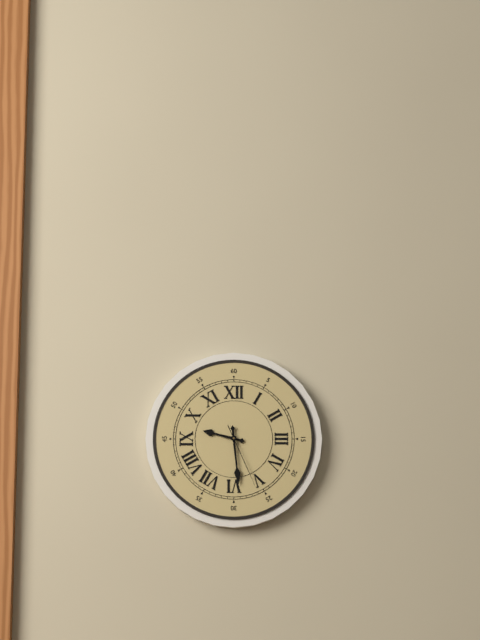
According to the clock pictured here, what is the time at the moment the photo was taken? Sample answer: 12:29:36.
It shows 9:29:26
